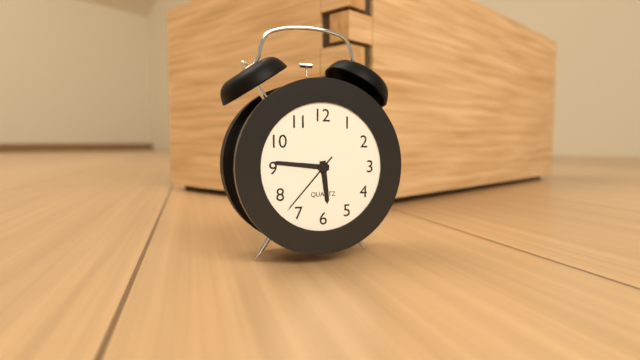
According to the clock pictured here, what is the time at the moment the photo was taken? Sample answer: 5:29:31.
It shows 5:46:37
